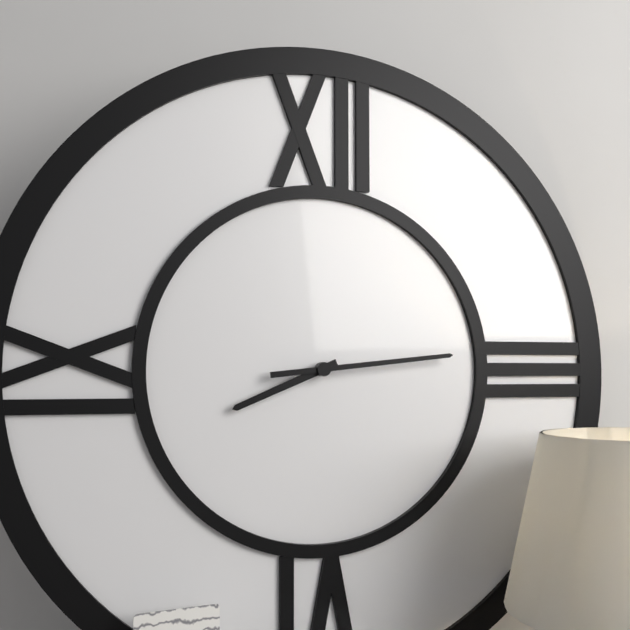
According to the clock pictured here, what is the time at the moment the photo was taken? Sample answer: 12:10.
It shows 8:14
